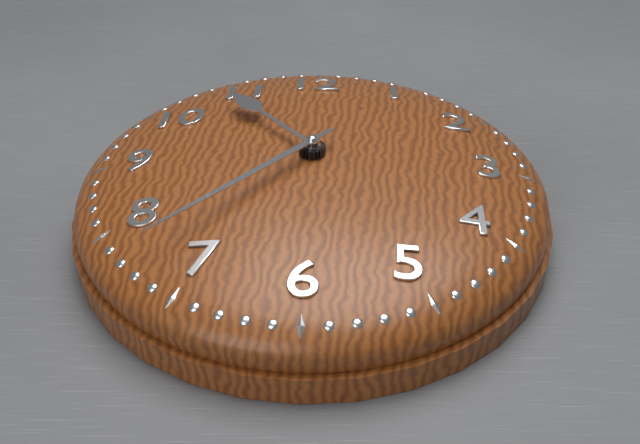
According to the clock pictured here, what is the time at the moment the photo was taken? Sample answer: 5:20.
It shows 10:37
